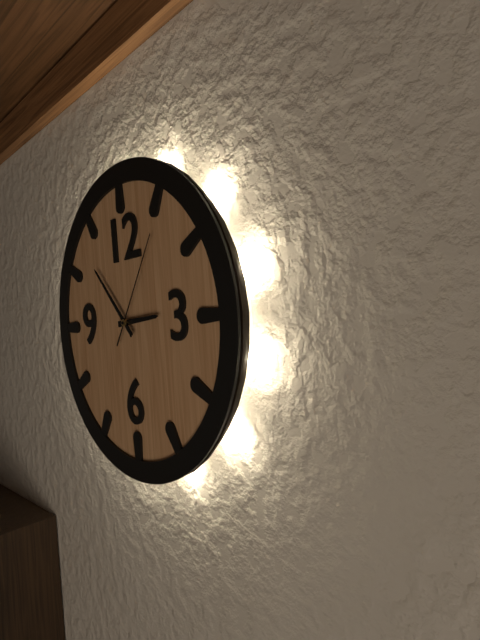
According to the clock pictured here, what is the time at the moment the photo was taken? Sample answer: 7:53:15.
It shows 2:53:06
